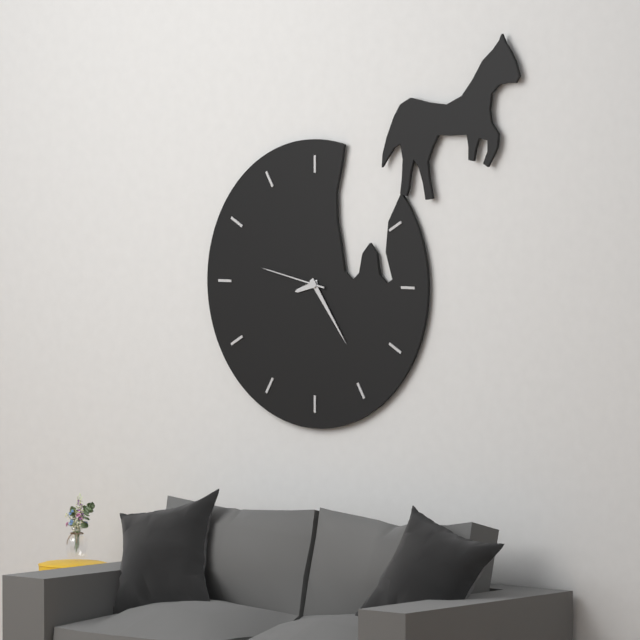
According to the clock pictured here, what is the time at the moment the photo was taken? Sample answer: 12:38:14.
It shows 8:24:47
